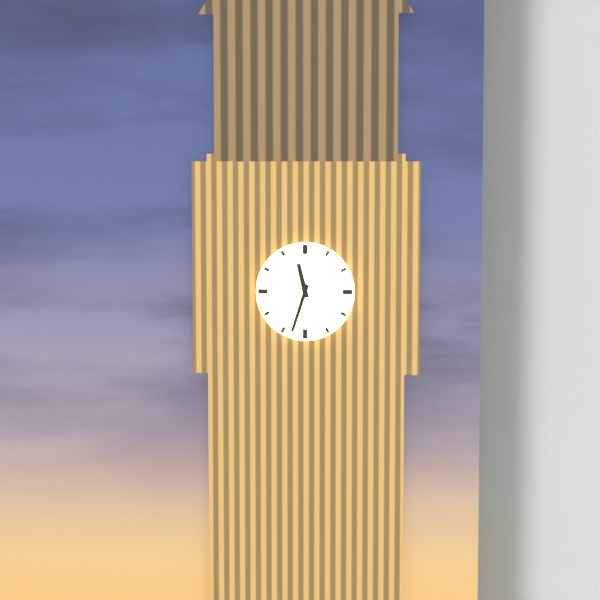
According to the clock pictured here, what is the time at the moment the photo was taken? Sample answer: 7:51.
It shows 11:33
